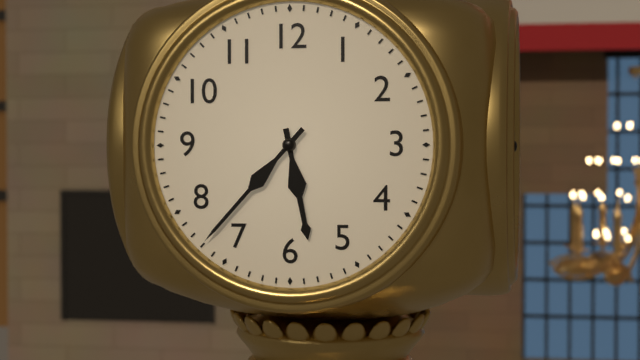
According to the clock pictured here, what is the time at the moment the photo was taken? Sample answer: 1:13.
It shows 5:37
